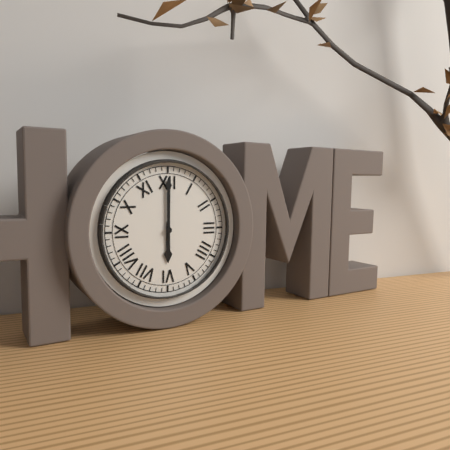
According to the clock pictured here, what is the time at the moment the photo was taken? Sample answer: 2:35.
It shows 6:00
